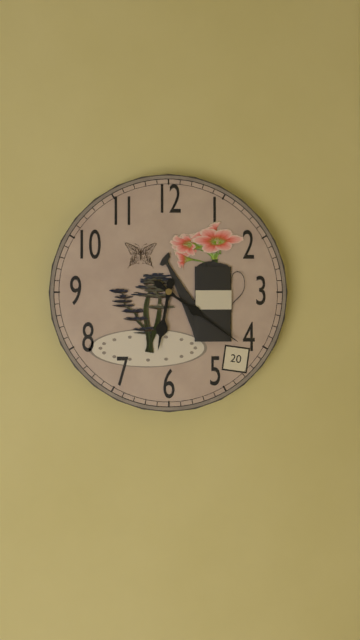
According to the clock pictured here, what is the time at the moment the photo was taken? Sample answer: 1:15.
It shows 6:21
